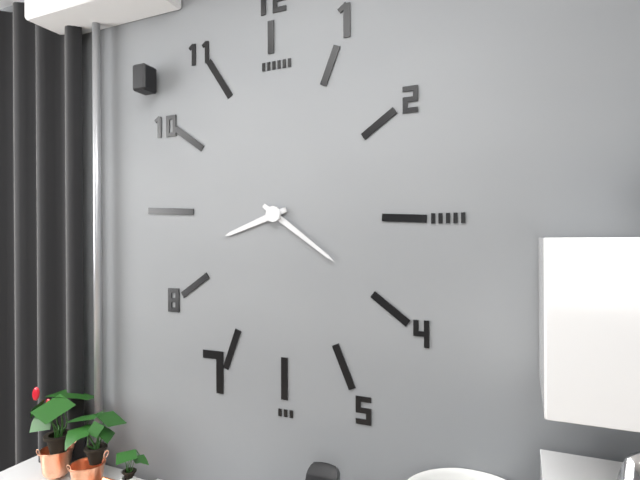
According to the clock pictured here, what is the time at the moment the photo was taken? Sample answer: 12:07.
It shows 8:21
